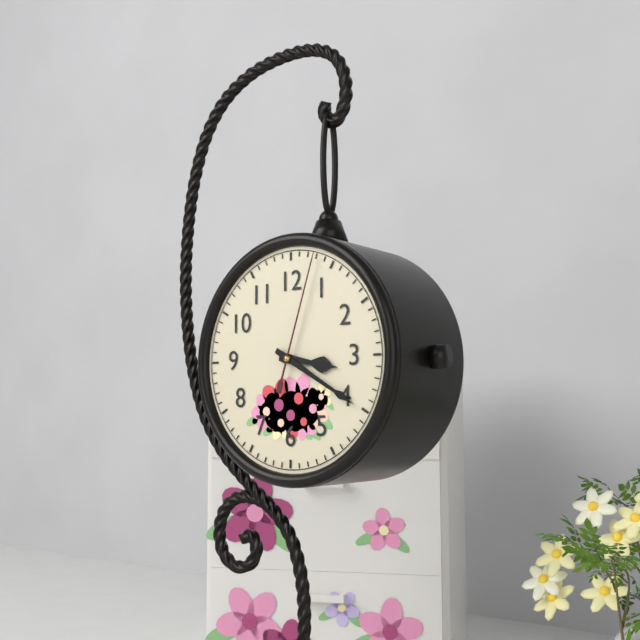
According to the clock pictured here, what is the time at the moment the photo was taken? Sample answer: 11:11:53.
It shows 3:20:03
